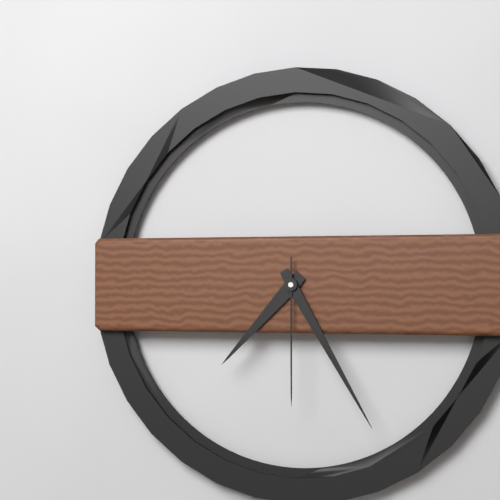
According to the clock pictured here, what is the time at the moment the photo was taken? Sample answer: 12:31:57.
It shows 7:25:30
